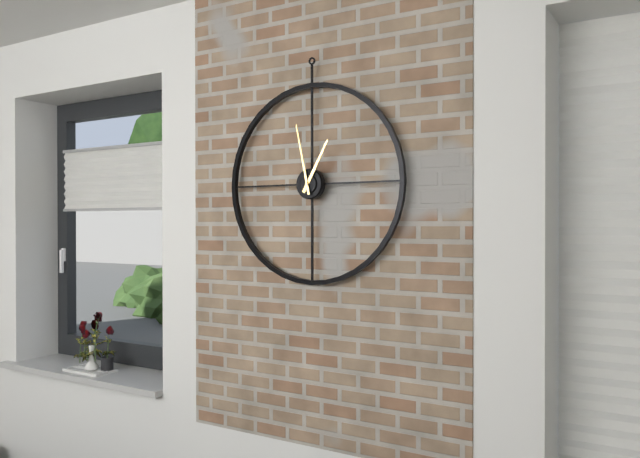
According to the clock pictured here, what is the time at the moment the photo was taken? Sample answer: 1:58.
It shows 12:58
